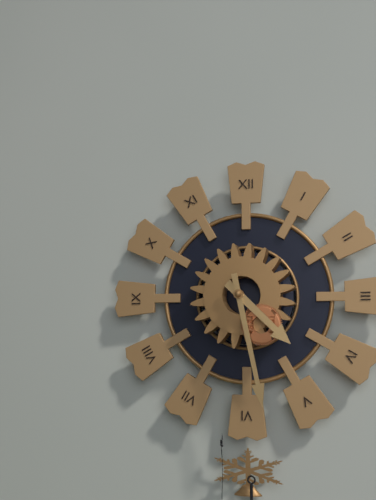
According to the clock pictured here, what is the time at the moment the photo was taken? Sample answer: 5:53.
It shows 4:28
